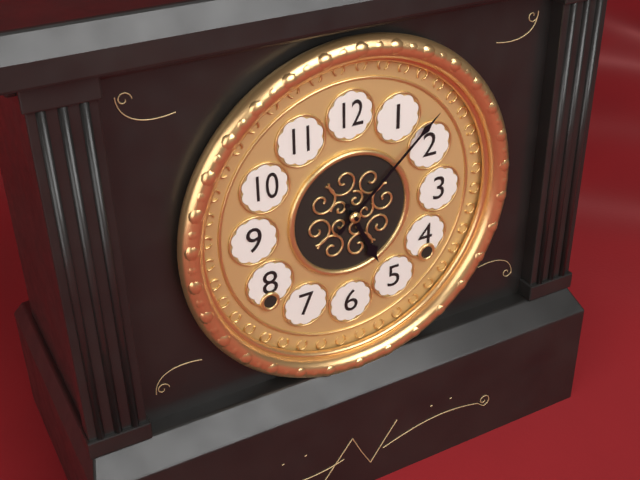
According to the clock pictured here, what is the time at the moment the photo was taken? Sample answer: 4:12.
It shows 5:08
